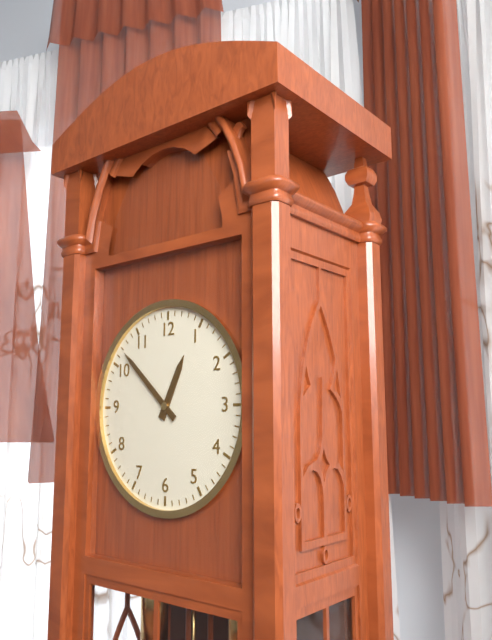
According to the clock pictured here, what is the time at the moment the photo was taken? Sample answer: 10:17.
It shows 12:52
